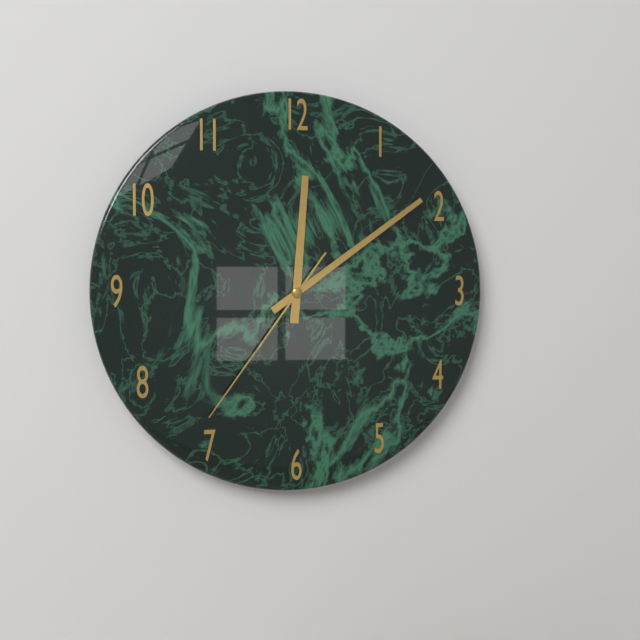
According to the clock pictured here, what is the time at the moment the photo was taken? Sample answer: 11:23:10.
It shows 12:09:36
